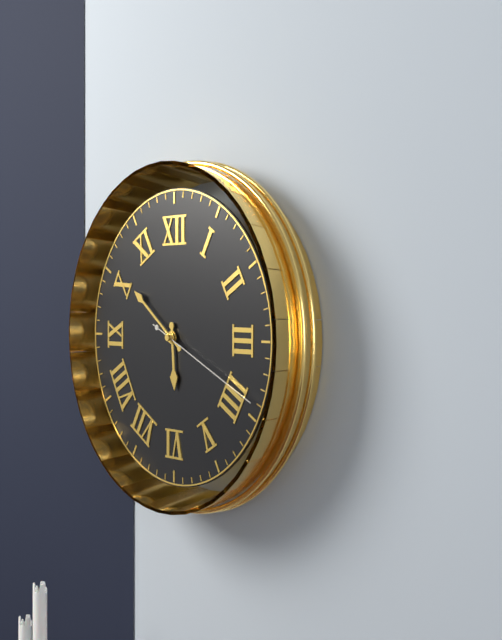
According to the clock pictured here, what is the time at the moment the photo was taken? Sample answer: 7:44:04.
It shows 5:51:19
